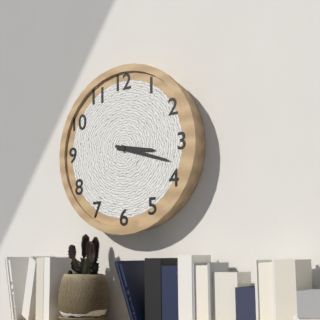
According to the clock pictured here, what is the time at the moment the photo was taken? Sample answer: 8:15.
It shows 3:18
